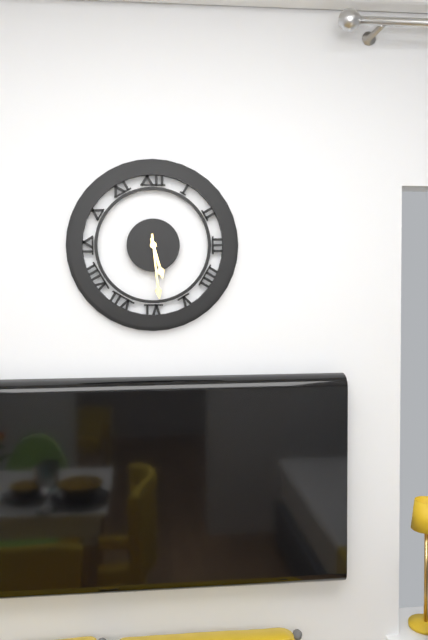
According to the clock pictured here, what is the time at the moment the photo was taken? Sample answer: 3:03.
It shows 5:29
